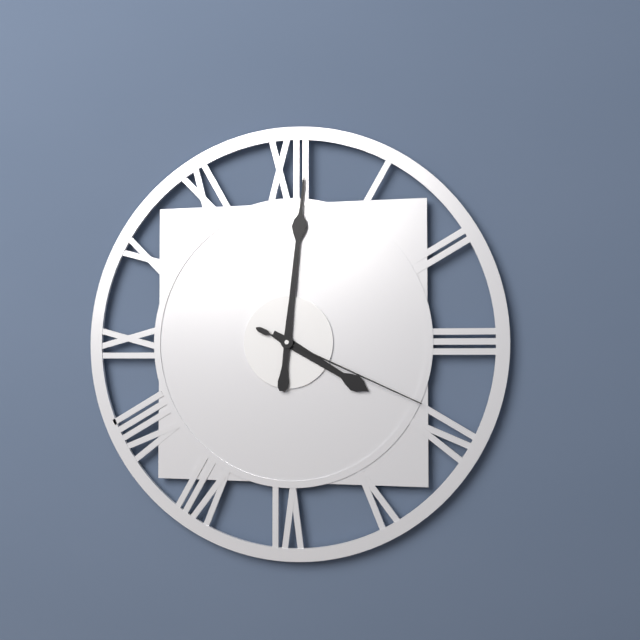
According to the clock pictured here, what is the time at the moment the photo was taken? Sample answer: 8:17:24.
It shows 4:01:19
